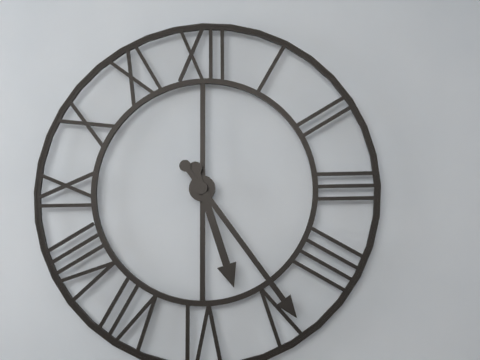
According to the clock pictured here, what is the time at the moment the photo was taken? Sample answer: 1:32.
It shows 5:24
